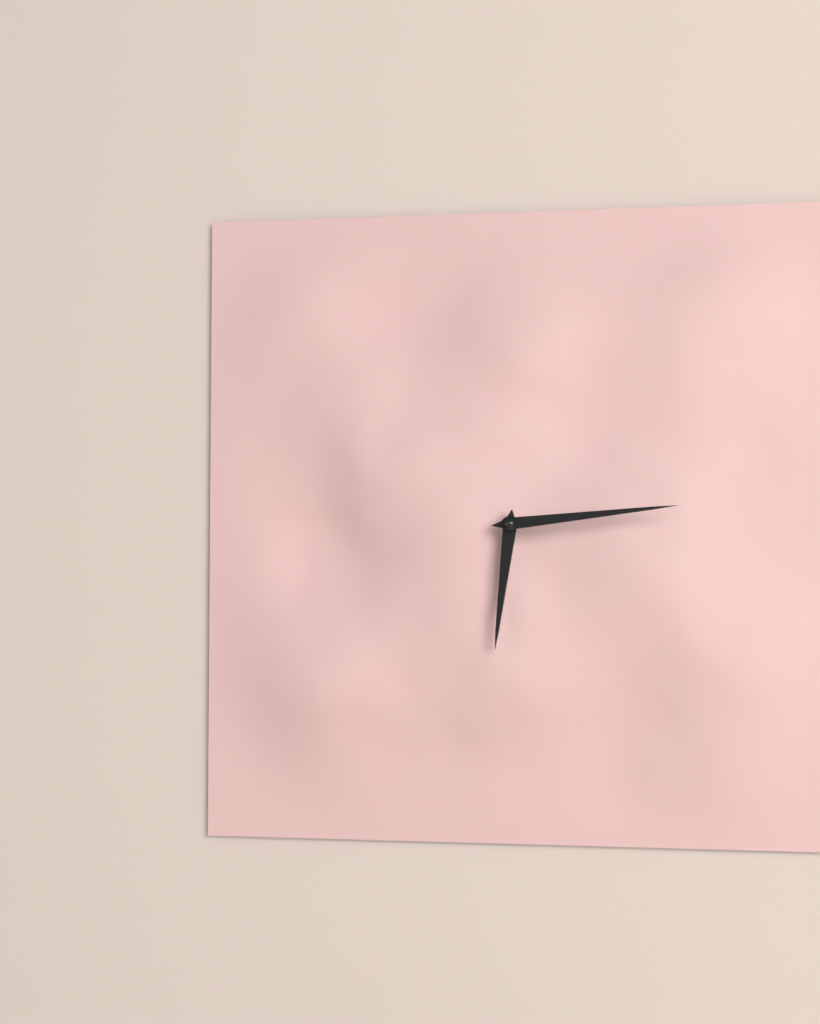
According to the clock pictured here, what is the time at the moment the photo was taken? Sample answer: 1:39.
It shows 6:14
